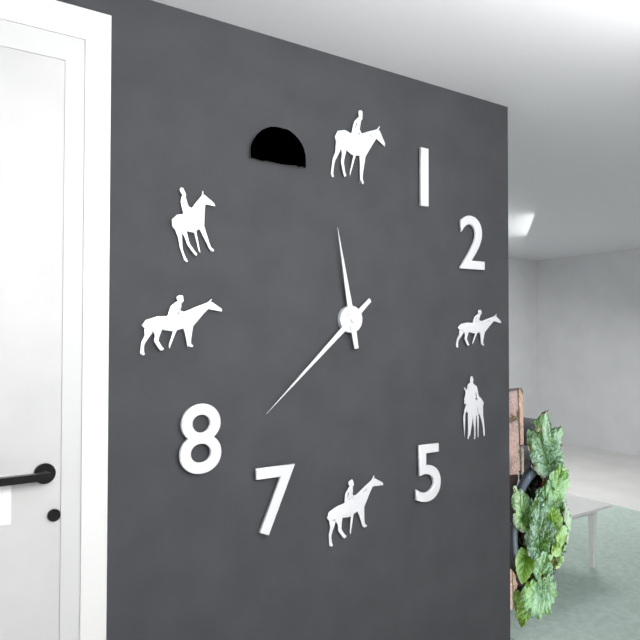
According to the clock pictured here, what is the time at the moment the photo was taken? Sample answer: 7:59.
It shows 11:38
